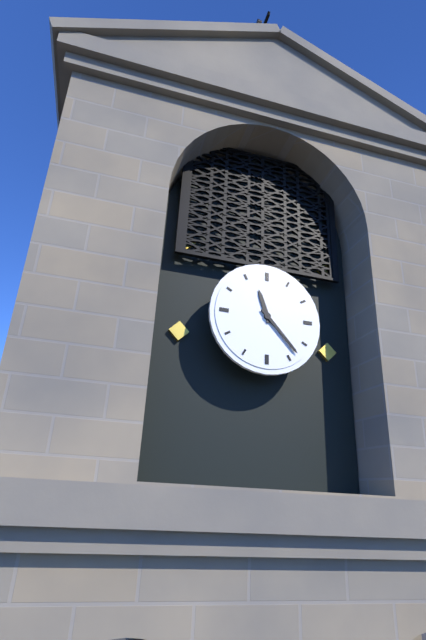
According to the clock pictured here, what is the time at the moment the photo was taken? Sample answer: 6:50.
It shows 11:23
